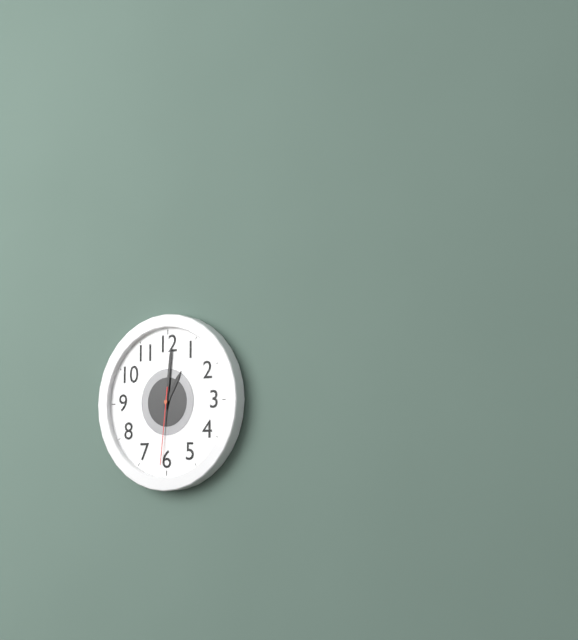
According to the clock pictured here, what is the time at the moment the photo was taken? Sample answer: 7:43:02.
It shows 1:01:31
